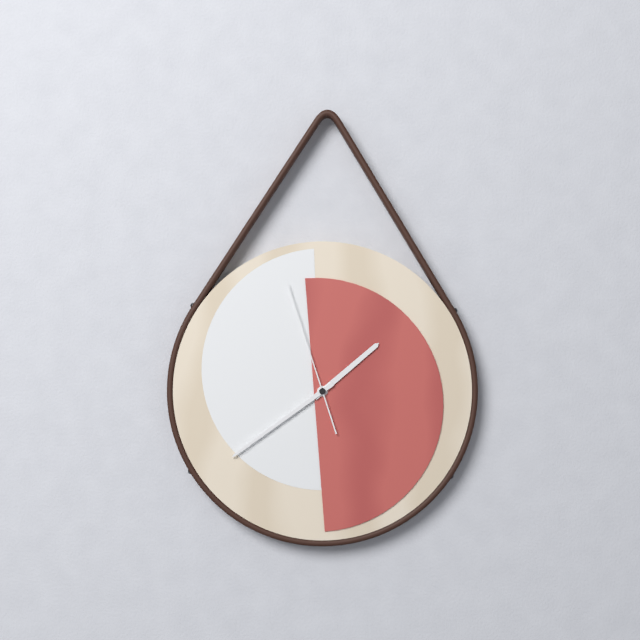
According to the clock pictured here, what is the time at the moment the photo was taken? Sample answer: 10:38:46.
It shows 1:39:57
